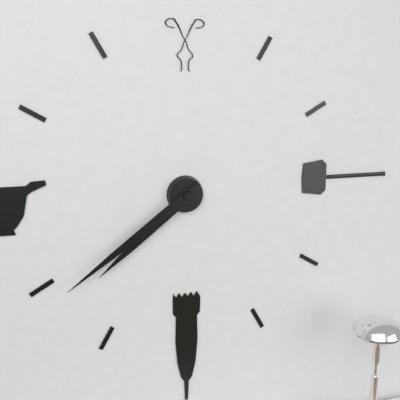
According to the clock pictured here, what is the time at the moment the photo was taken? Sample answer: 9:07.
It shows 7:39
